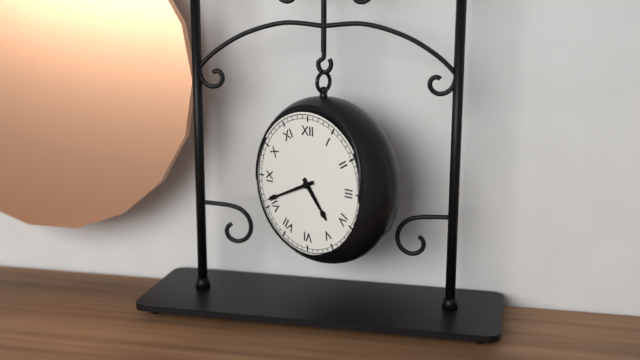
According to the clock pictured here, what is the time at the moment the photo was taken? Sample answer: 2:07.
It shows 4:41
